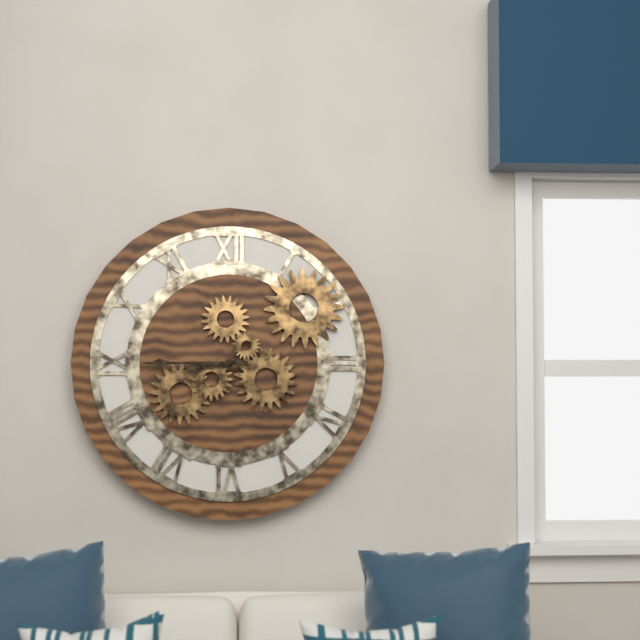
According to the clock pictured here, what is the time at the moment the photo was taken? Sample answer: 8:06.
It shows 8:45
